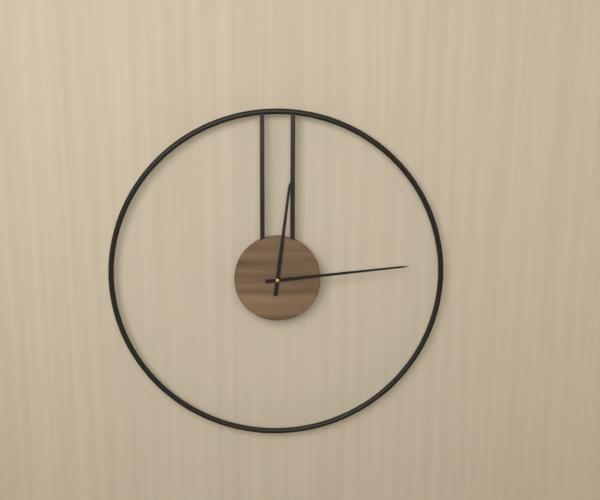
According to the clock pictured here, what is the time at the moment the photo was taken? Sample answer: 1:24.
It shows 12:14
